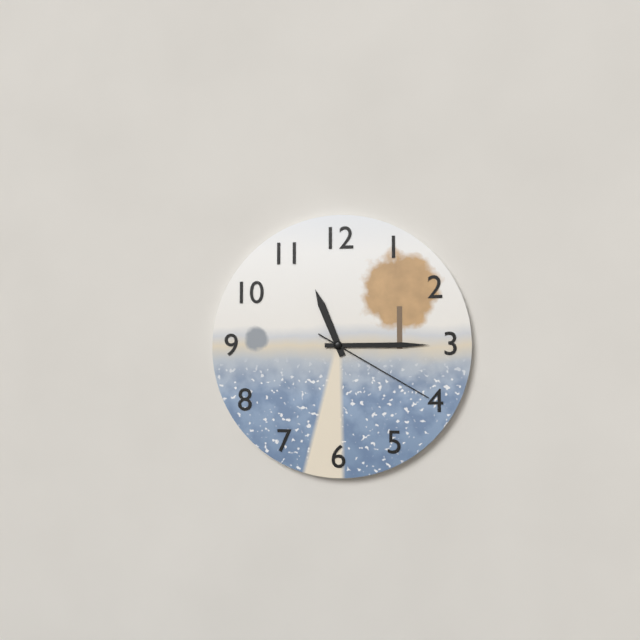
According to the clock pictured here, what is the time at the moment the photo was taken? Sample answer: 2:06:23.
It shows 11:15:20
